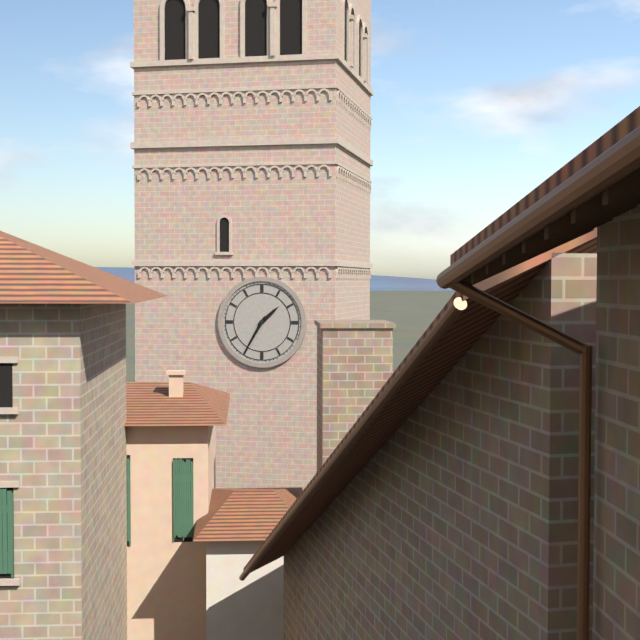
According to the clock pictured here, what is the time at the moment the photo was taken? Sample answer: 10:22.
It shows 1:35
